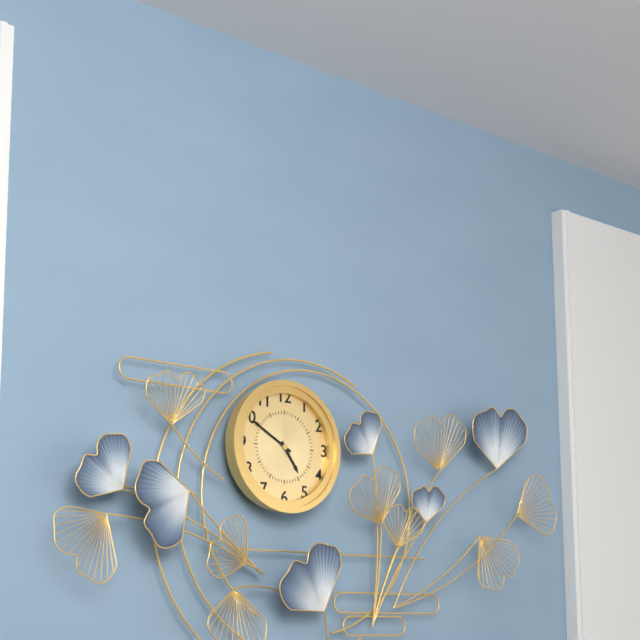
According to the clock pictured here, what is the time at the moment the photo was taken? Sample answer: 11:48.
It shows 4:50
